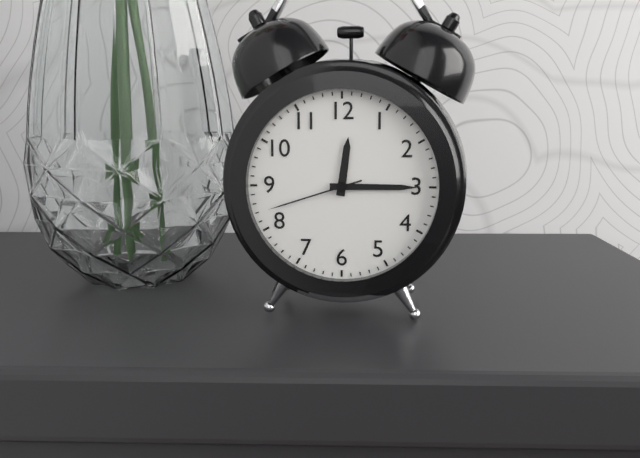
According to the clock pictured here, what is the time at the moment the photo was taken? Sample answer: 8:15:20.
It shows 12:15:42
